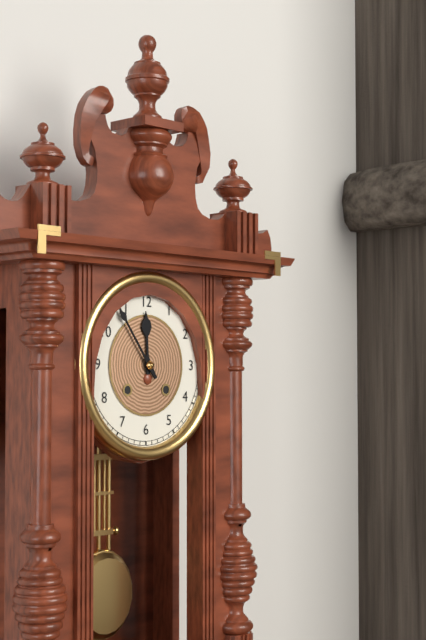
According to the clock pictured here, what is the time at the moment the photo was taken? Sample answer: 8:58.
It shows 11:54
